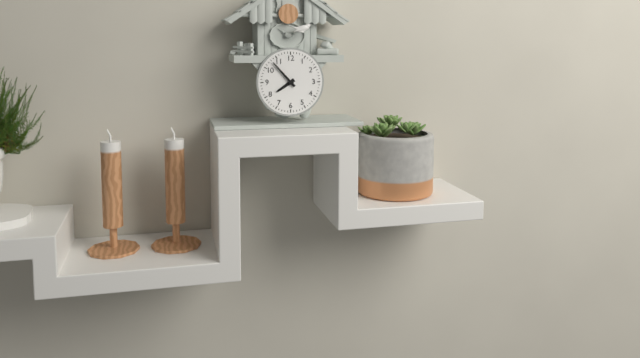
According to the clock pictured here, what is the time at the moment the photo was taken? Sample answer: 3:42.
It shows 7:53
